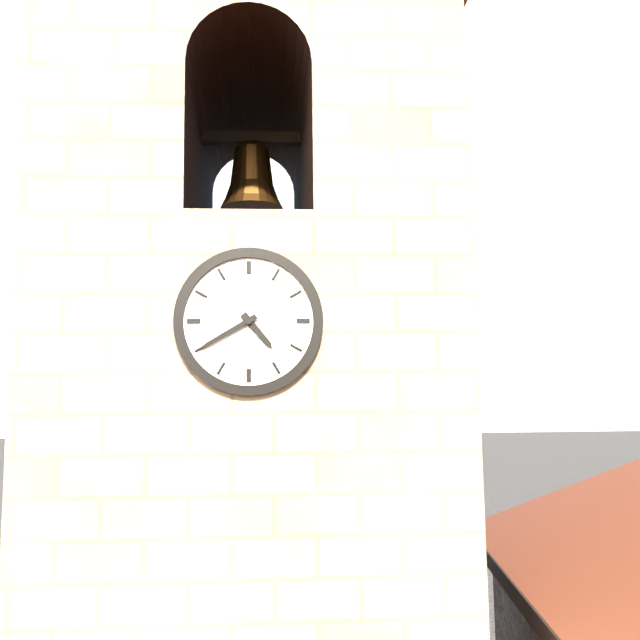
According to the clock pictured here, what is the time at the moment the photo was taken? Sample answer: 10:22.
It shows 4:40
